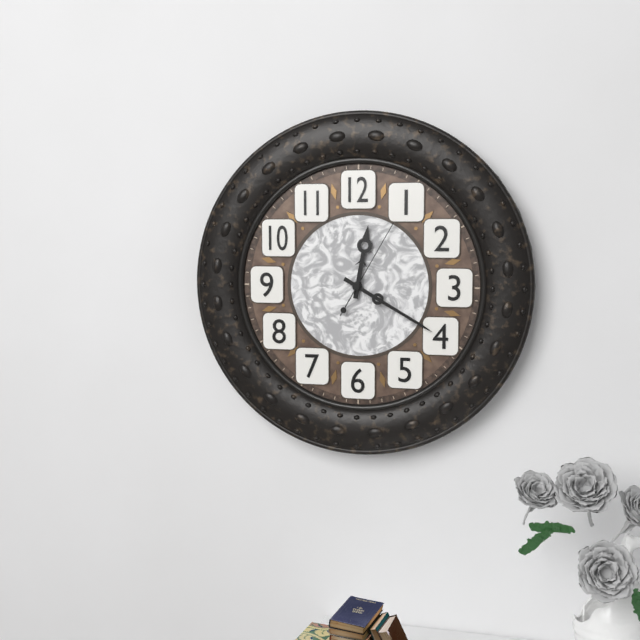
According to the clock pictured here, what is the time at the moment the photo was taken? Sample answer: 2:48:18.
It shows 12:20:05
